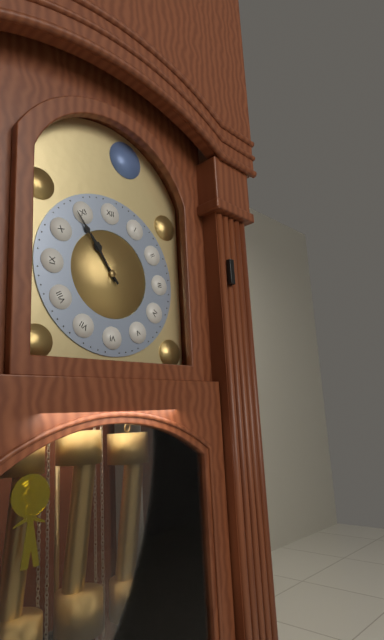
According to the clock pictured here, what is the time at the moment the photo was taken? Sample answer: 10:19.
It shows 10:54
